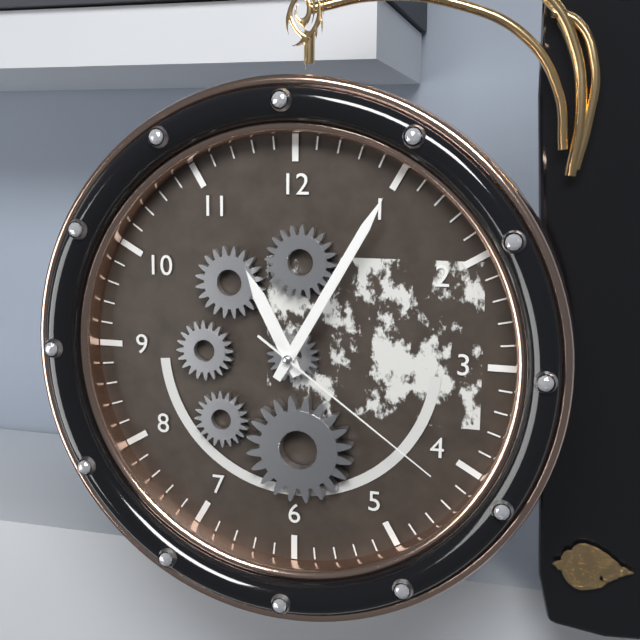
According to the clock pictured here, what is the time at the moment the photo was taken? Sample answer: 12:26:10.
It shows 11:05:21
